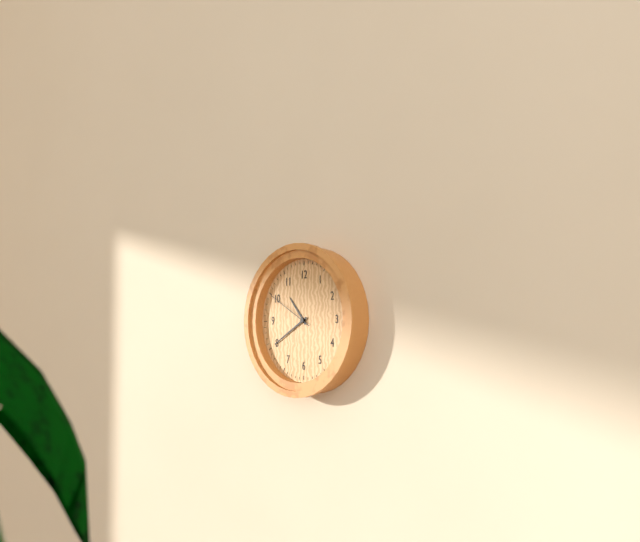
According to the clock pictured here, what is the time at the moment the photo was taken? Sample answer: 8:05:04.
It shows 10:40:50
